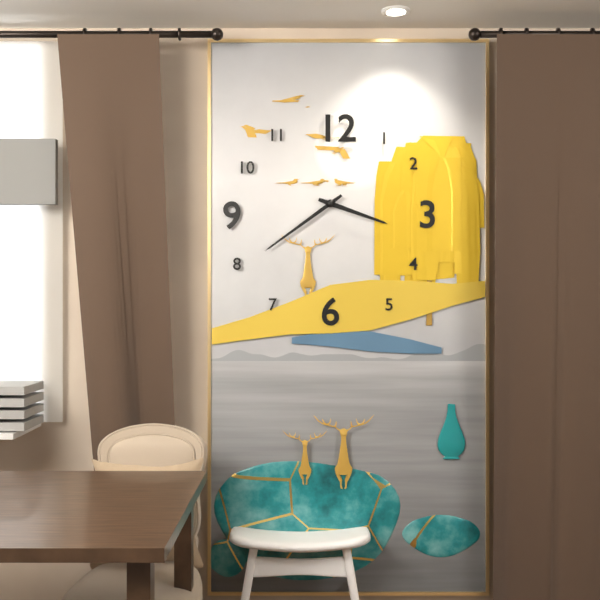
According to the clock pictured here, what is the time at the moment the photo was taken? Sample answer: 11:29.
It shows 3:39
